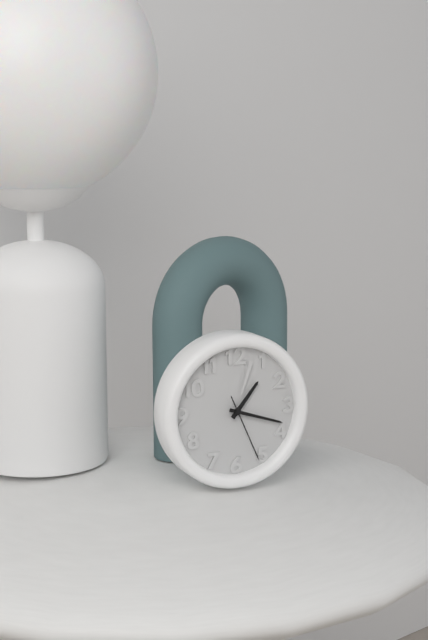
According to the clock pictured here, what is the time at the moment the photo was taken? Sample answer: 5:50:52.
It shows 1:18:26
